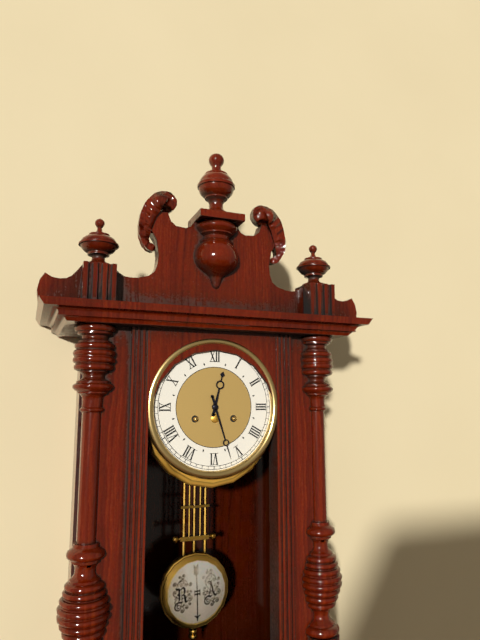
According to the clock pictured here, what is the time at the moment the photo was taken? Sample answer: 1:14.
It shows 12:27
